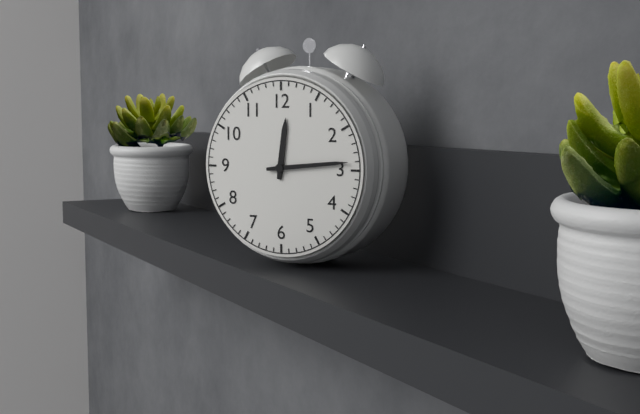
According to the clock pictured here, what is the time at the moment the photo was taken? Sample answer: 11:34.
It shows 12:14
